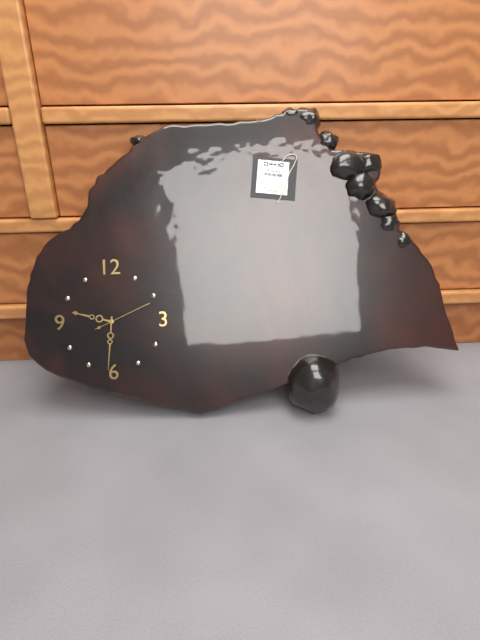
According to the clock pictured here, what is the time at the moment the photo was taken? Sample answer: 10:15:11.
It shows 9:31:11
